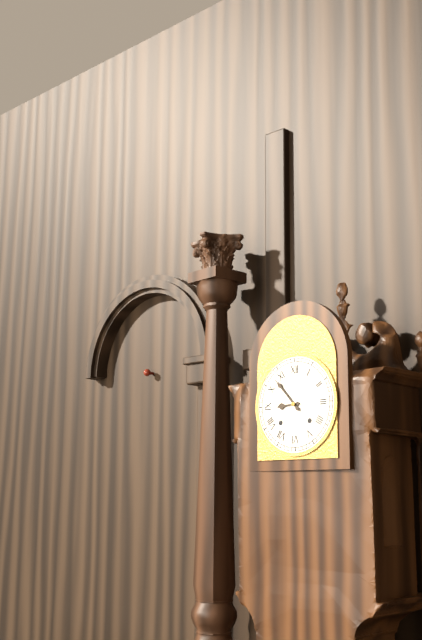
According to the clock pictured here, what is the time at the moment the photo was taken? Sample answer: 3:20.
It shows 8:53
